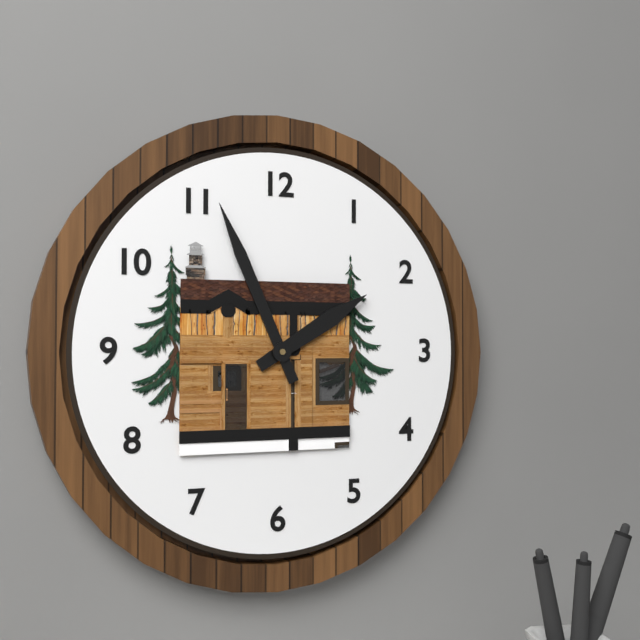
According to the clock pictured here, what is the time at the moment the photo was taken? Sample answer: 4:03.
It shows 1:56
